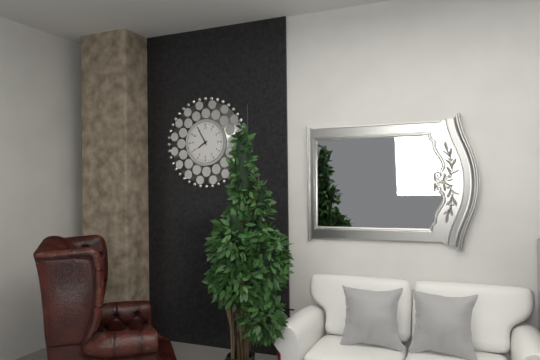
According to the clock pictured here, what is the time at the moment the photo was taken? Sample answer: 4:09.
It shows 7:55
